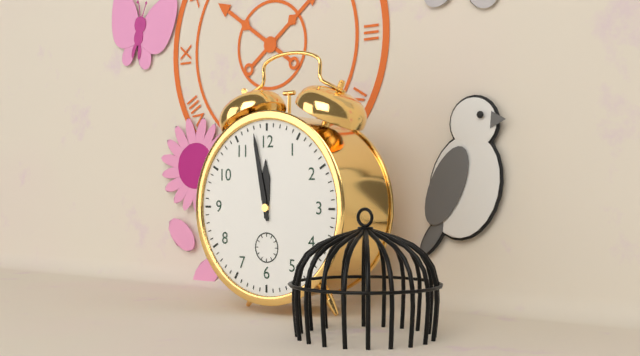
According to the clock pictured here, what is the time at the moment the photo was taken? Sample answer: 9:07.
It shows 11:58
